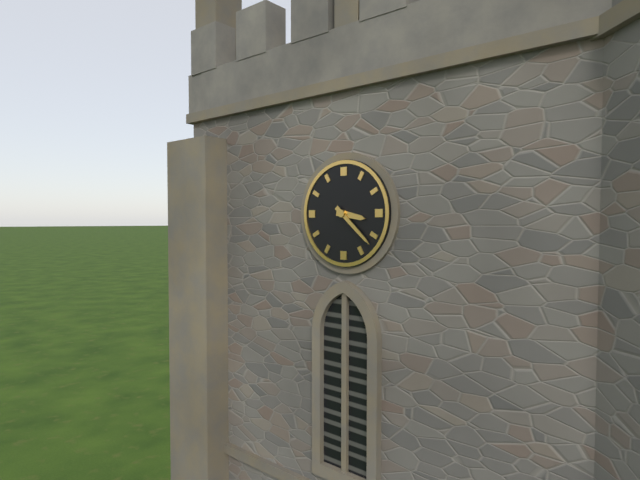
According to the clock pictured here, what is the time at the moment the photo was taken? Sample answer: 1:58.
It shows 3:22
